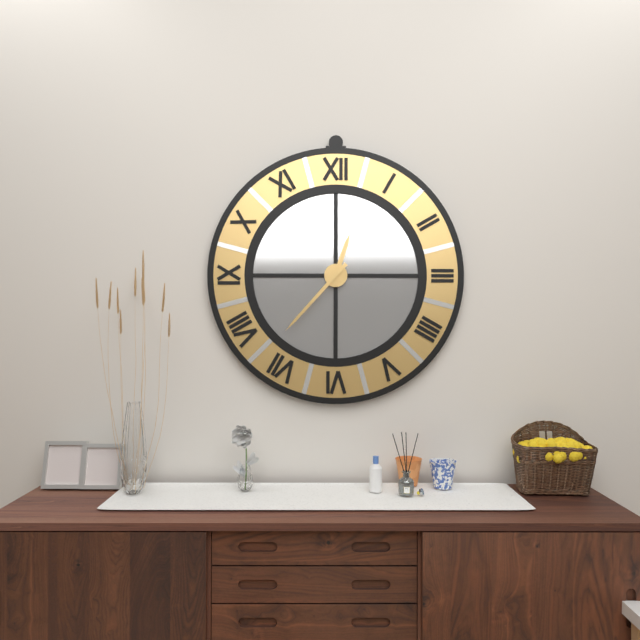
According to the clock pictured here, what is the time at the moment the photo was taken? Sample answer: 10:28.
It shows 12:37
